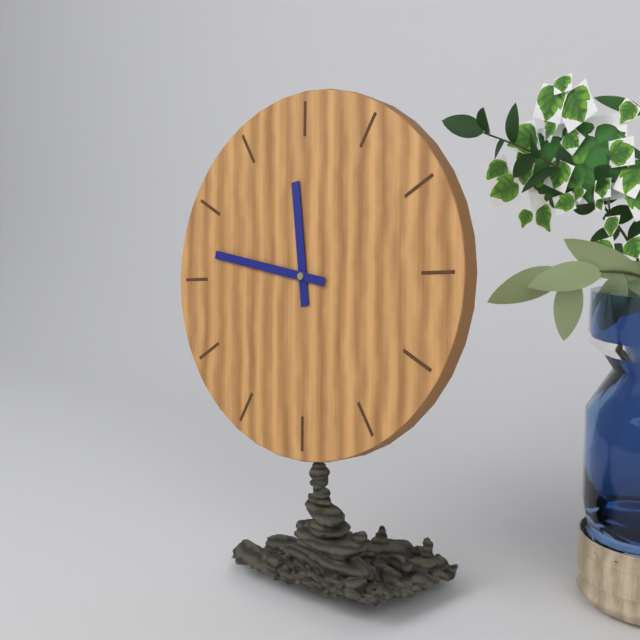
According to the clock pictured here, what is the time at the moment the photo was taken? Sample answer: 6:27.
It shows 11:47
